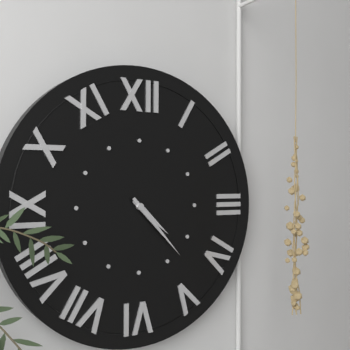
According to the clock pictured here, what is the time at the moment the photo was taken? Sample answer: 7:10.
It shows 4:23
